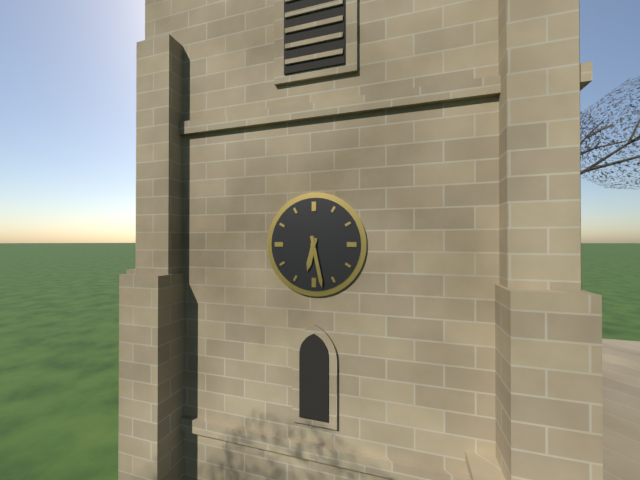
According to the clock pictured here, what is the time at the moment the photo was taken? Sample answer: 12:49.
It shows 6:28
